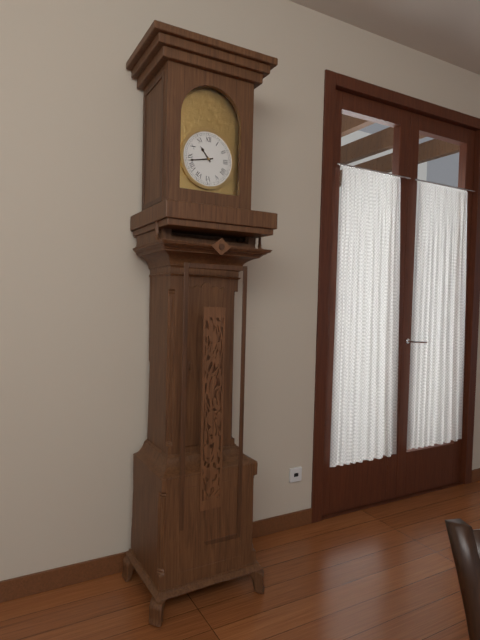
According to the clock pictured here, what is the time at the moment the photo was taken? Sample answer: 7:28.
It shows 10:43
